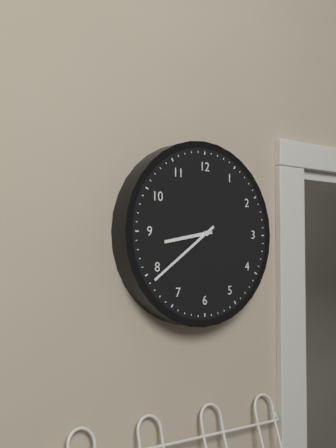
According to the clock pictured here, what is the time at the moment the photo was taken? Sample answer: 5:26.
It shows 8:39
